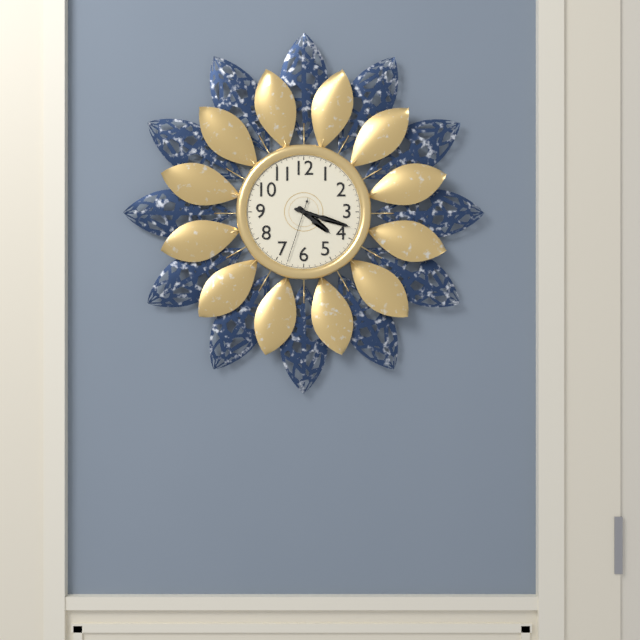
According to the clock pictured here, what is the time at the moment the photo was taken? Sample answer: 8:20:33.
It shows 4:18:33
